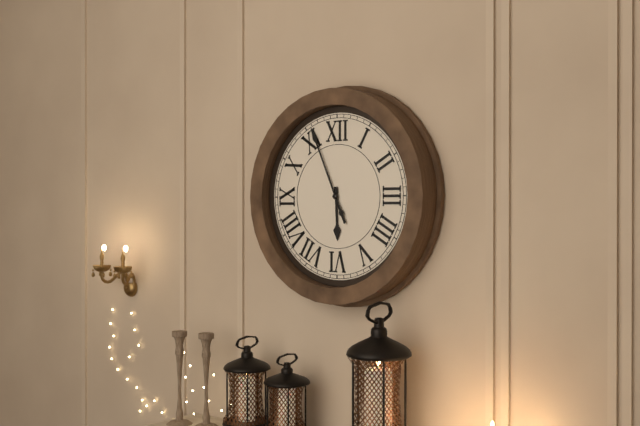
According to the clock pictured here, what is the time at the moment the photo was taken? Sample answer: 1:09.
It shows 5:56
